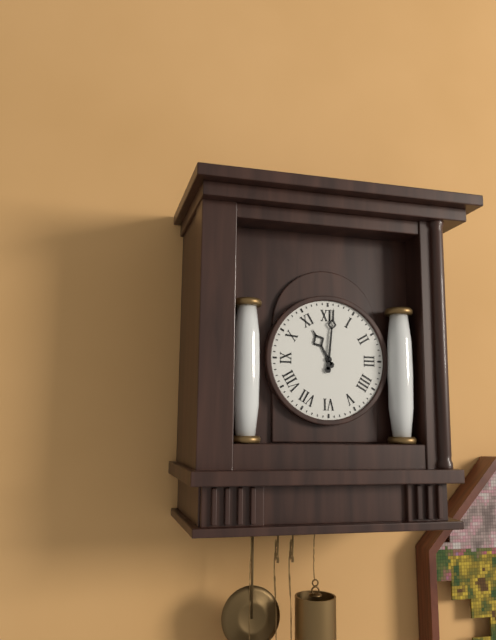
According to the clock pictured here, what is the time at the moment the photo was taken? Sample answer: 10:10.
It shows 11:01
